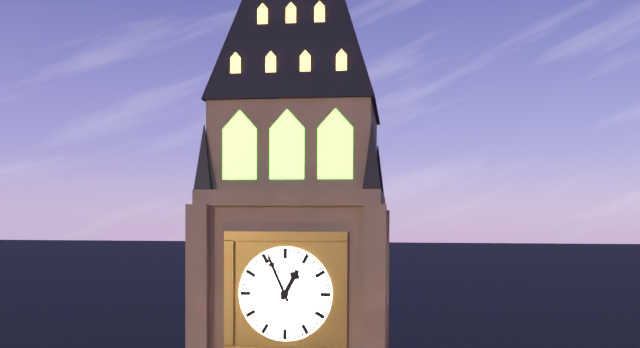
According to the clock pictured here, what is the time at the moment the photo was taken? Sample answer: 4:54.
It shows 12:56
